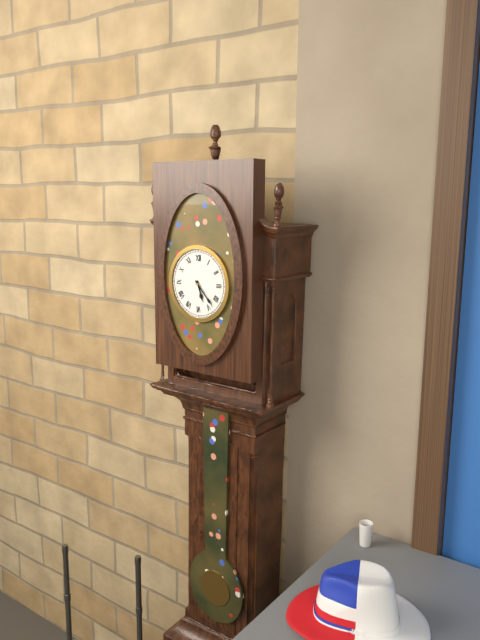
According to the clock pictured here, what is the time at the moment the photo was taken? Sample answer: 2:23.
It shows 5:23
